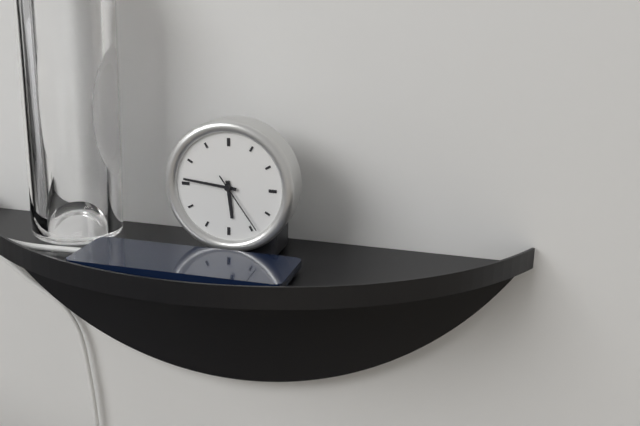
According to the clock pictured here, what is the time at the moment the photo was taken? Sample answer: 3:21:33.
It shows 5:46:24
